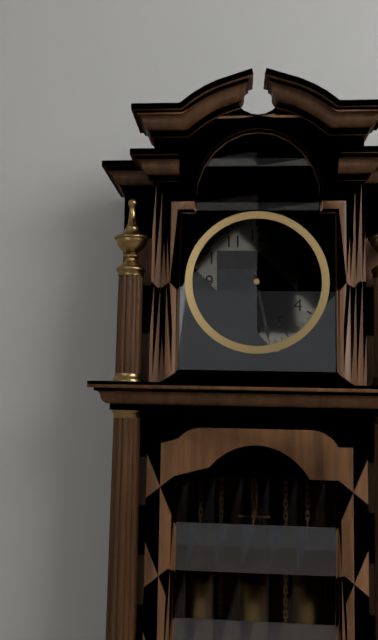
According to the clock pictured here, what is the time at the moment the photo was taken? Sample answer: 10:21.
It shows 7:28
